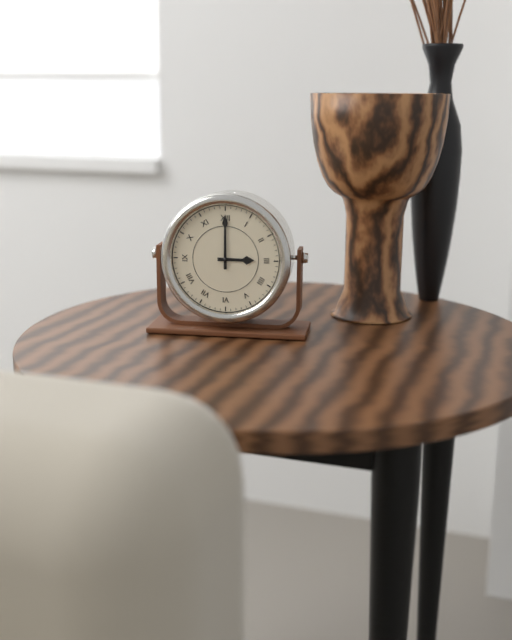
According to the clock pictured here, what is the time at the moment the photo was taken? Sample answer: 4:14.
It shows 3:00
